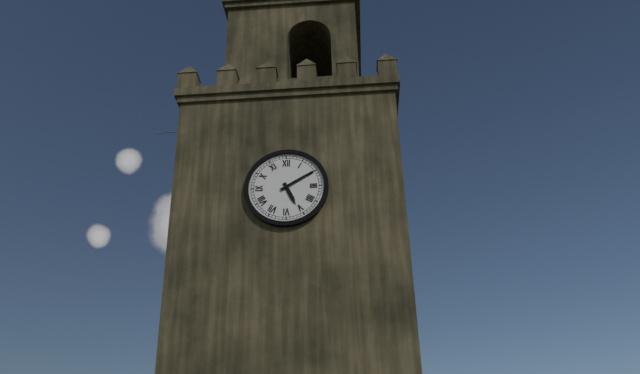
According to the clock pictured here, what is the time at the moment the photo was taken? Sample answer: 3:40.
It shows 5:10
